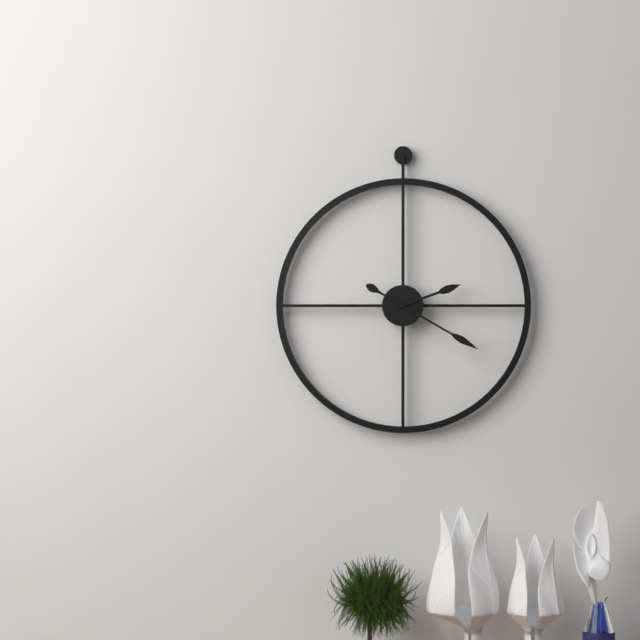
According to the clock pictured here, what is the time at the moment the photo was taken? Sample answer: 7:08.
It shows 2:20
